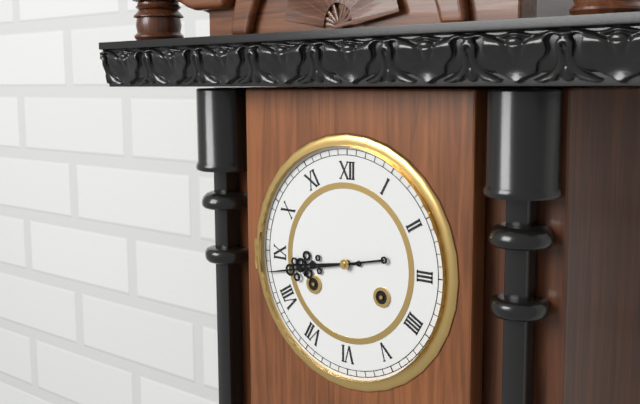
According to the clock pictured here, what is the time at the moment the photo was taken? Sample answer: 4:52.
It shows 8:43
